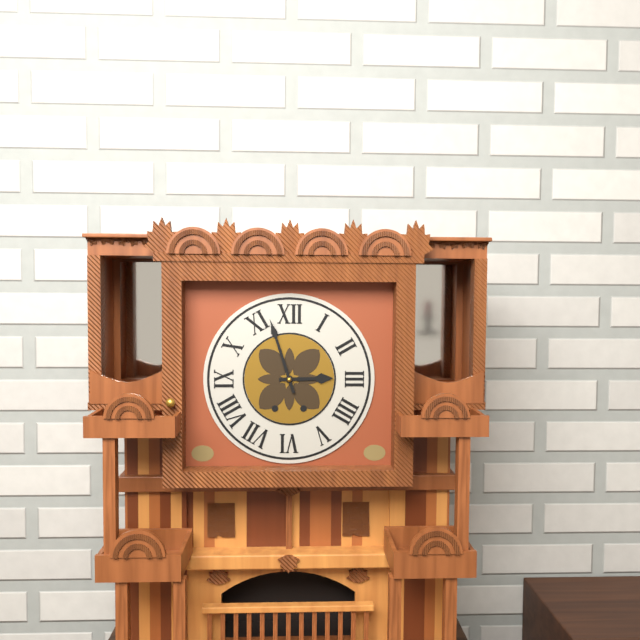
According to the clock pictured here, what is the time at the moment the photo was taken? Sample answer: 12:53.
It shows 2:57
